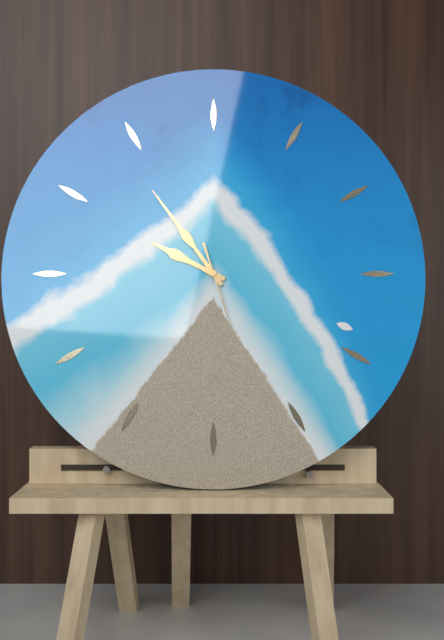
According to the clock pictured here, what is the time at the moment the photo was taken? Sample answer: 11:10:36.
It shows 9:54:27
